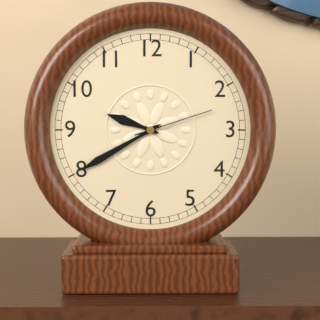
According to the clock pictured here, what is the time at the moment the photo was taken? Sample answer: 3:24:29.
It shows 9:40:12
